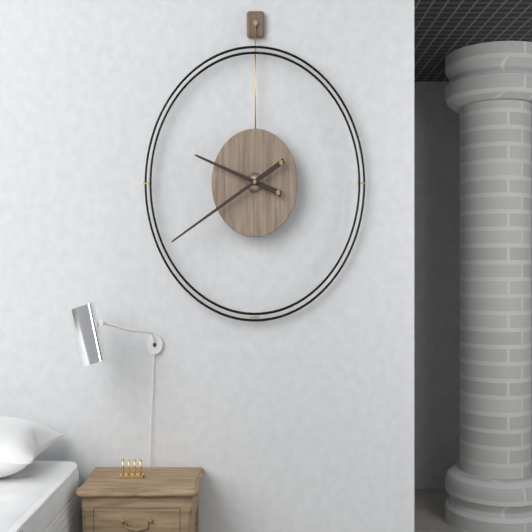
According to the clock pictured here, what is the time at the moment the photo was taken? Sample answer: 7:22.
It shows 9:40
